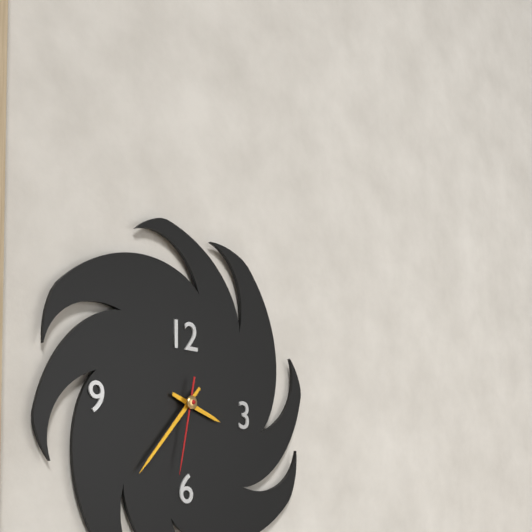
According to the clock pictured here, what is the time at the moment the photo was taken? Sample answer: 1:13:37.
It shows 3:37:32
